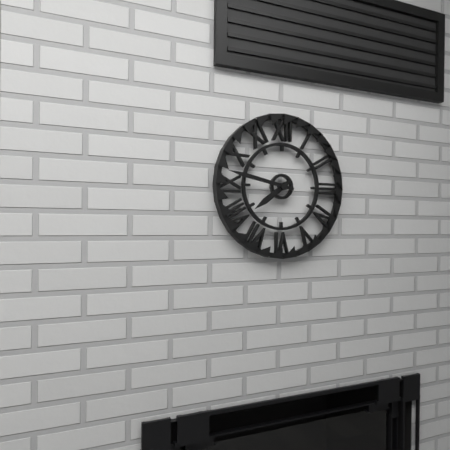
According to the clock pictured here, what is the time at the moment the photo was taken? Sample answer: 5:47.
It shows 7:47
